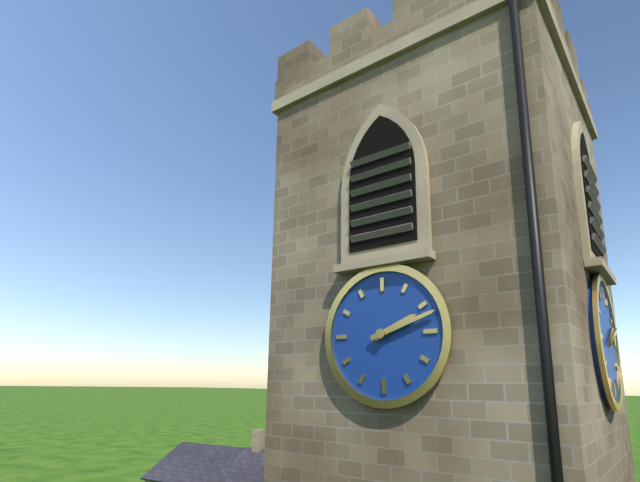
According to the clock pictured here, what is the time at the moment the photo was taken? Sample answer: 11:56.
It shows 2:12
